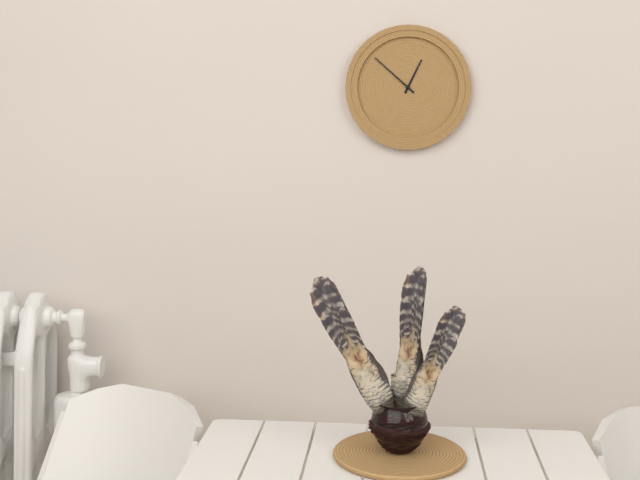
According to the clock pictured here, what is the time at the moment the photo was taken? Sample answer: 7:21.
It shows 12:52
